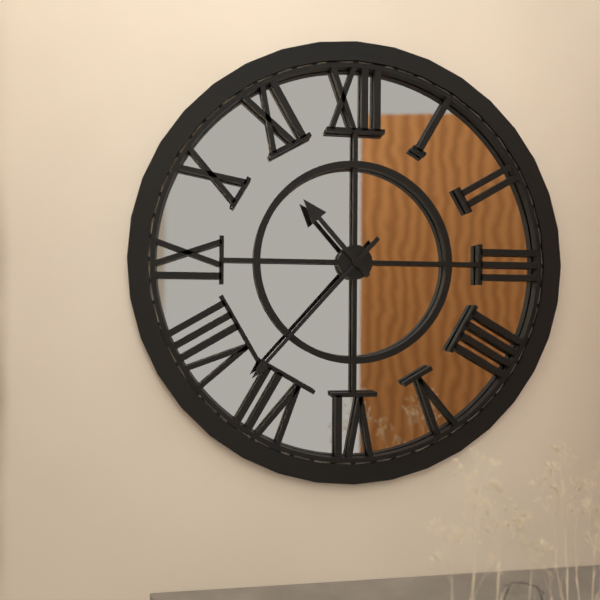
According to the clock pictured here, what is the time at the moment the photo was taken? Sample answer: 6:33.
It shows 10:37
